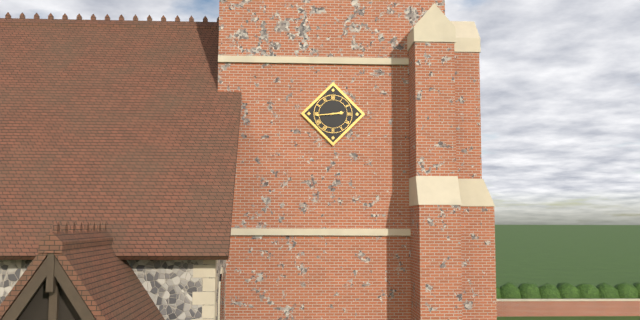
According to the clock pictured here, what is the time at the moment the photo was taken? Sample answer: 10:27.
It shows 2:44
